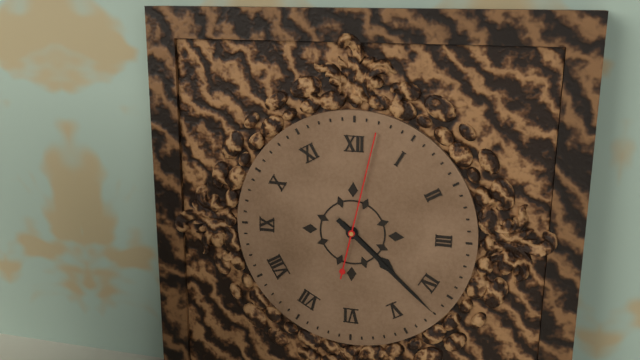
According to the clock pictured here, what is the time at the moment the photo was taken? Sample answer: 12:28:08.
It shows 4:22:02
